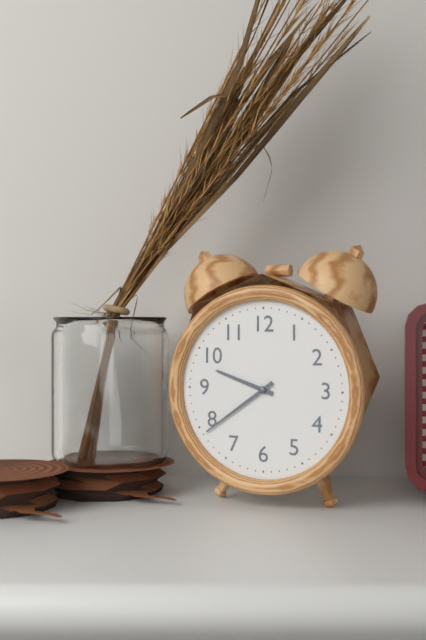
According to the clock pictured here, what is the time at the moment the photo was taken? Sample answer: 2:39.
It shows 9:39
